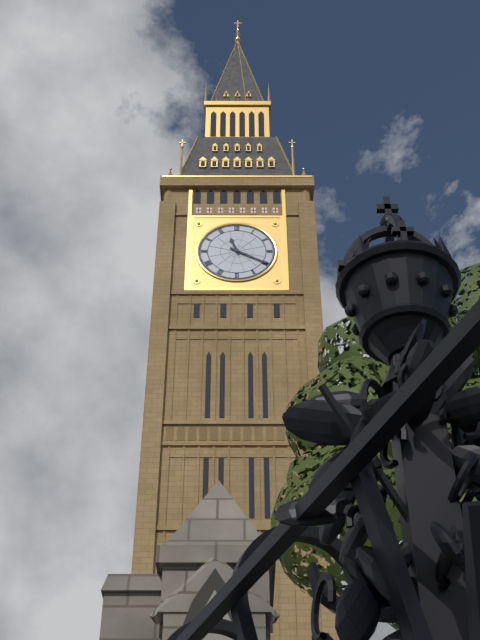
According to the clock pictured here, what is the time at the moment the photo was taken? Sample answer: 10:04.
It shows 11:20
